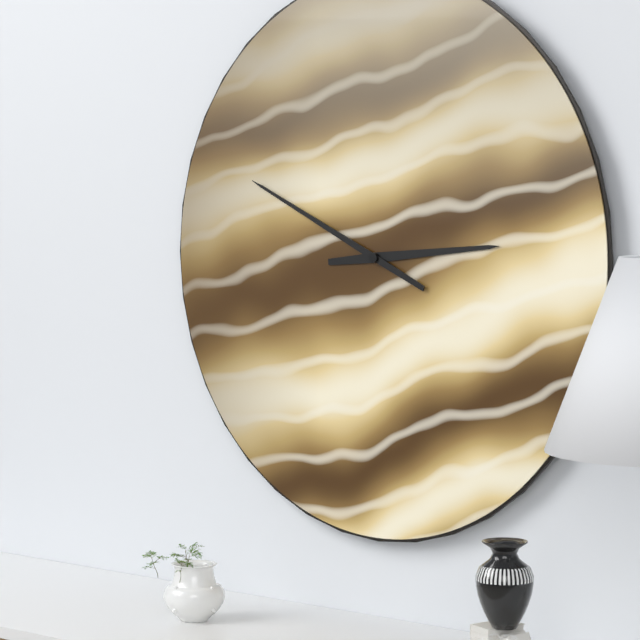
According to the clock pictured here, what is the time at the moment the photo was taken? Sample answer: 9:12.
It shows 2:49
